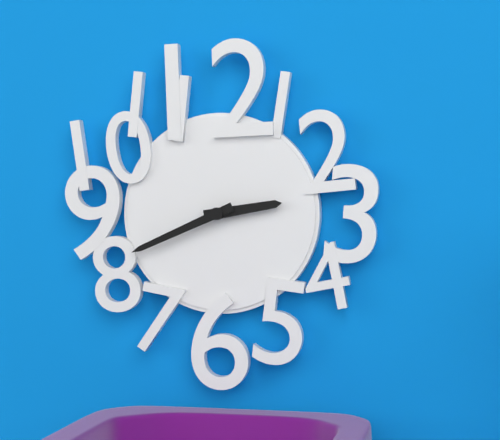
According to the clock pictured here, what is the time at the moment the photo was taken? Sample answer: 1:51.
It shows 2:41
